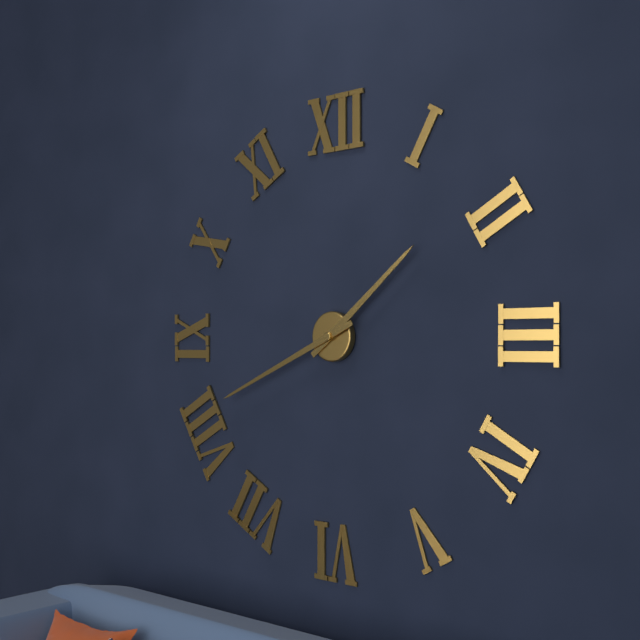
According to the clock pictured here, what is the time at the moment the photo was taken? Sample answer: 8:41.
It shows 1:41
